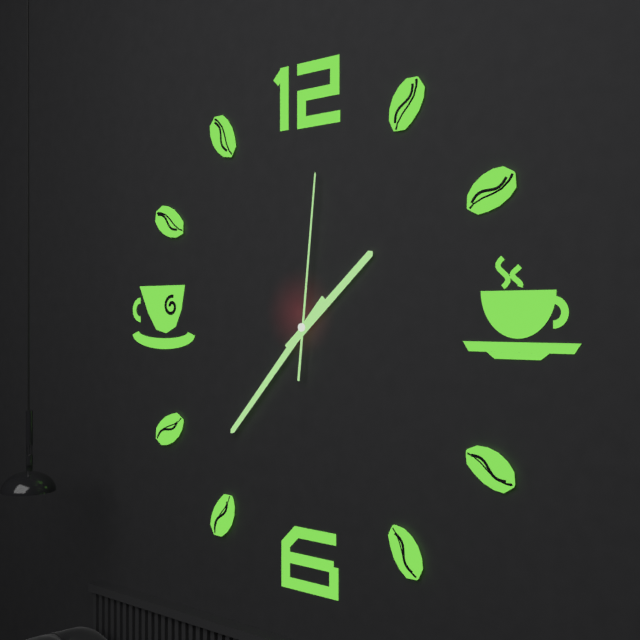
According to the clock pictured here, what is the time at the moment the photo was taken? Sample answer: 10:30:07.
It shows 1:37:01
